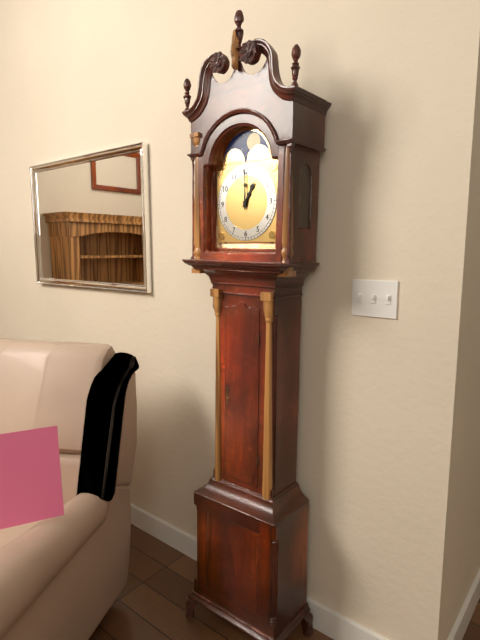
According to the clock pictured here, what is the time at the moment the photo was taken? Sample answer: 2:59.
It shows 1:00
